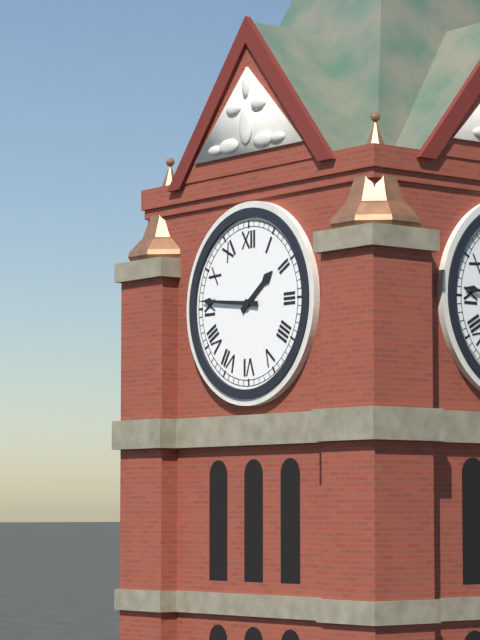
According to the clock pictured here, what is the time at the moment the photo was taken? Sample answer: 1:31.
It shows 1:46
